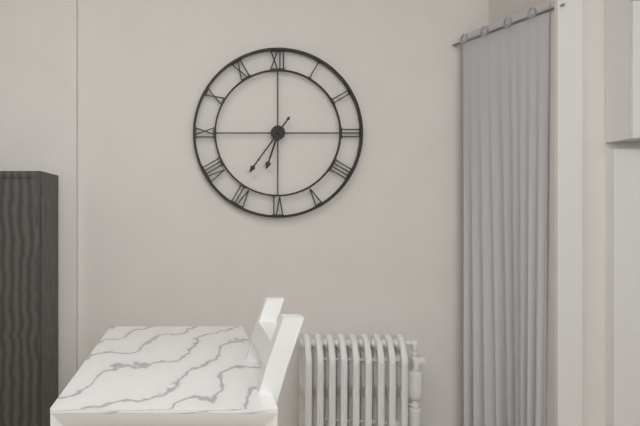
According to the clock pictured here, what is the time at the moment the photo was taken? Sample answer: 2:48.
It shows 6:36
